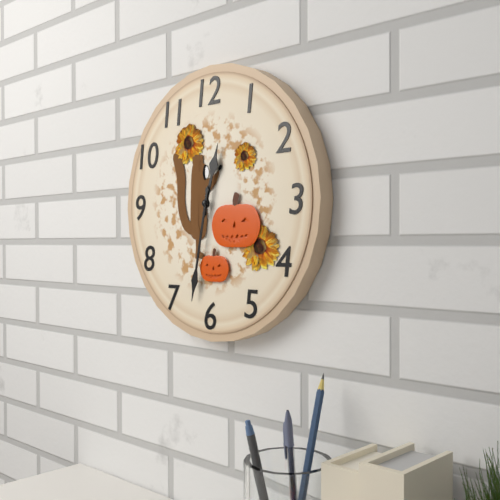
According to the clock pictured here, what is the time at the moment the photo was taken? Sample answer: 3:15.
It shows 12:32
